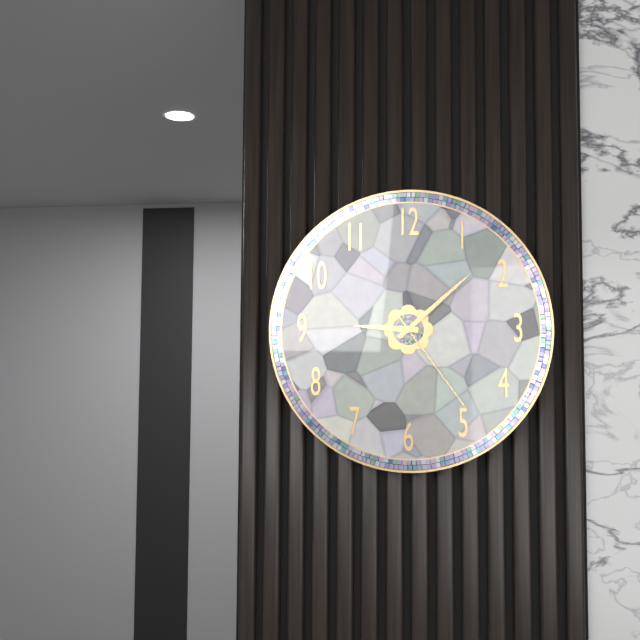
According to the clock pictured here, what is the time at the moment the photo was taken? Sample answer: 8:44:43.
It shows 9:08:24
